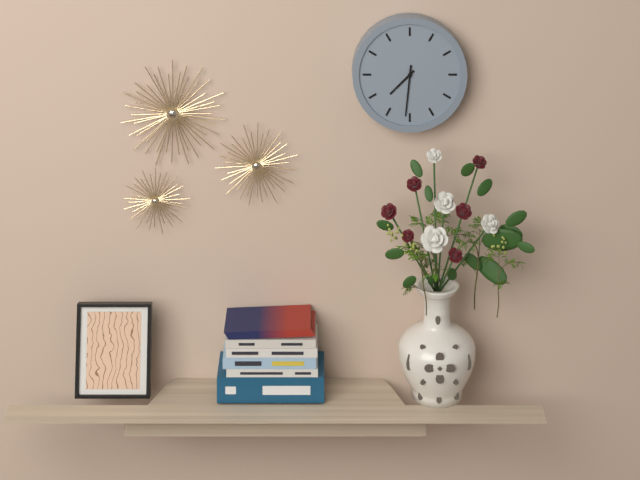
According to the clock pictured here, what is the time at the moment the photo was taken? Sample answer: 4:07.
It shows 7:31
